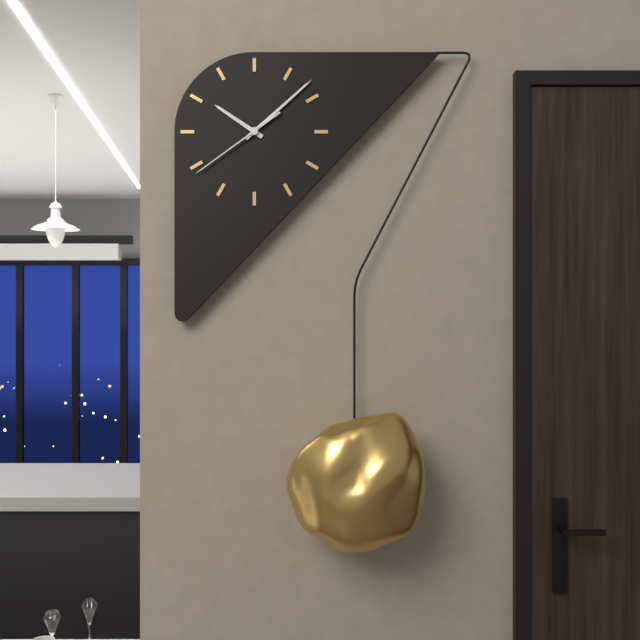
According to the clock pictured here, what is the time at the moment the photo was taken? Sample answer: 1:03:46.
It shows 10:08:39
